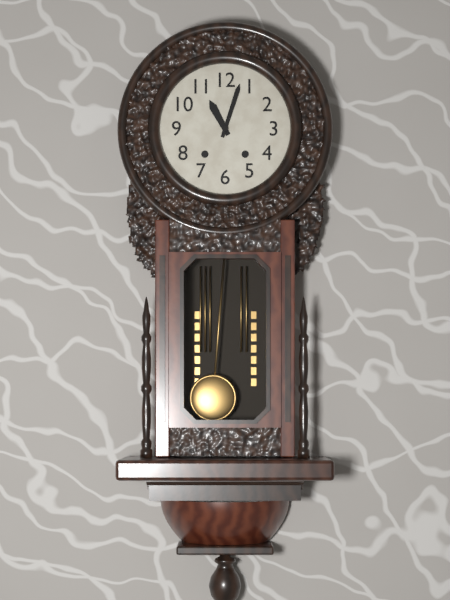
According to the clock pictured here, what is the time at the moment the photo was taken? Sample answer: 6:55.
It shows 11:03
